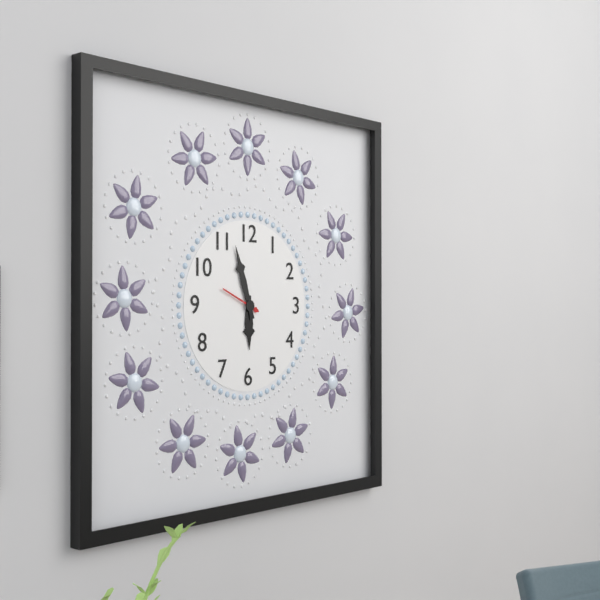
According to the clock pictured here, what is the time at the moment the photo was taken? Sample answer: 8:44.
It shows 5:57
